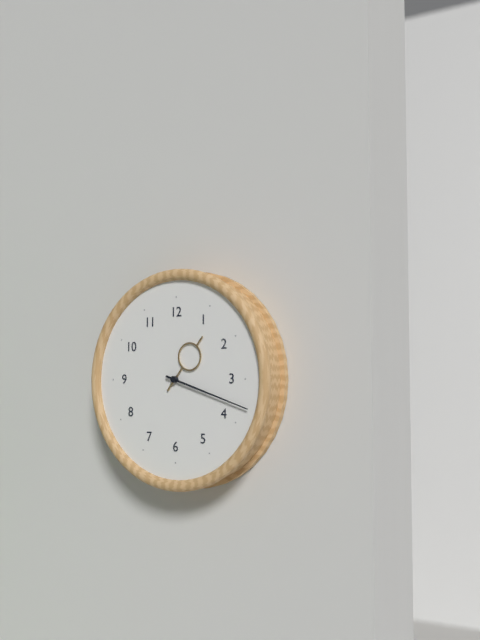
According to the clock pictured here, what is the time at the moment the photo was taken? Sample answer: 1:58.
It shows 1:18
